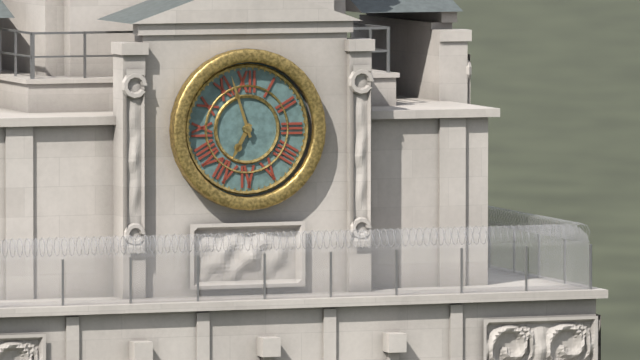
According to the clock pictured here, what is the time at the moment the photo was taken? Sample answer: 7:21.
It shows 6:57
